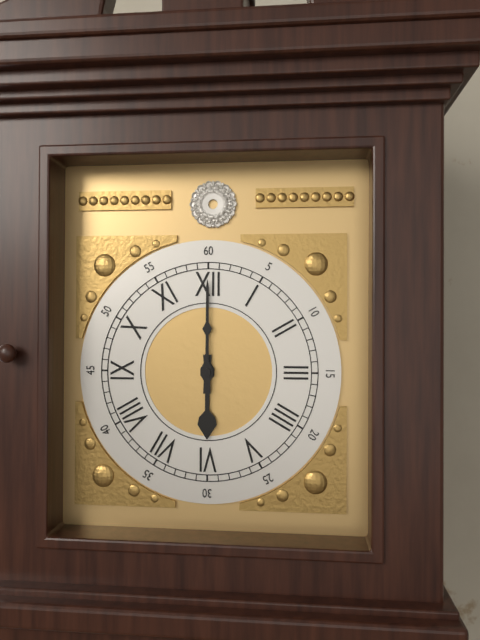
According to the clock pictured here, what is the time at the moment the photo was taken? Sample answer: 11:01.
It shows 6:00
